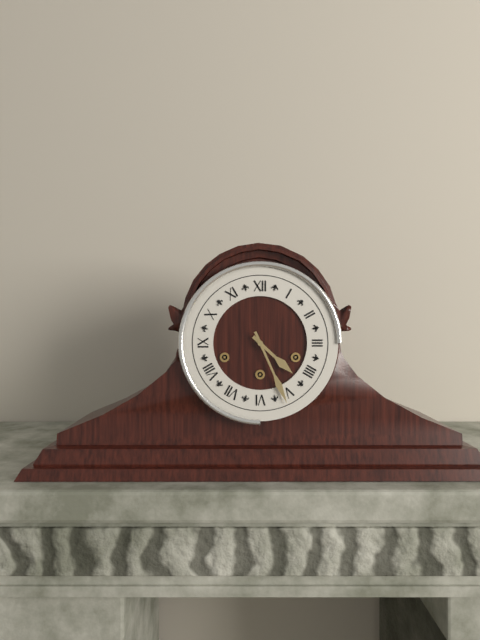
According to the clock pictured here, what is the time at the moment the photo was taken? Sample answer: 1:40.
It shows 4:26
